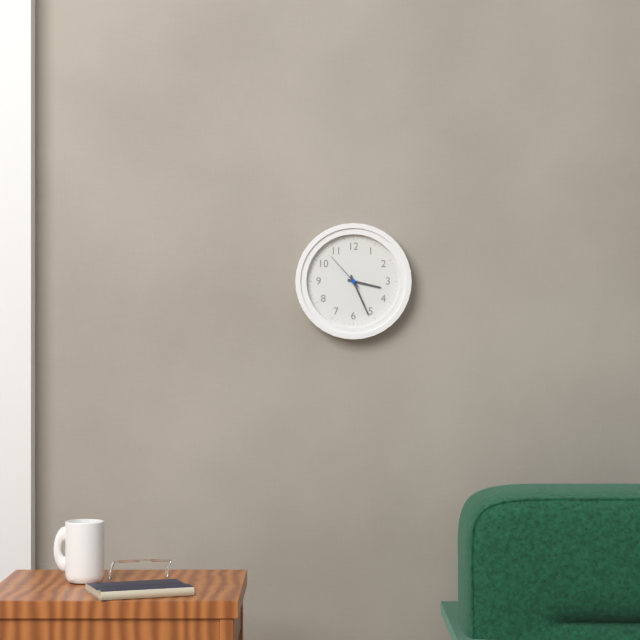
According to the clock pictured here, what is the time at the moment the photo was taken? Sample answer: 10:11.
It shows 3:26
